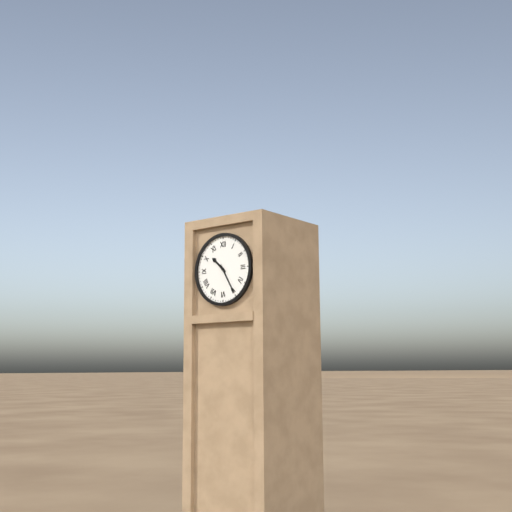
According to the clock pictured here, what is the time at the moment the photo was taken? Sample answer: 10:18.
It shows 10:25
